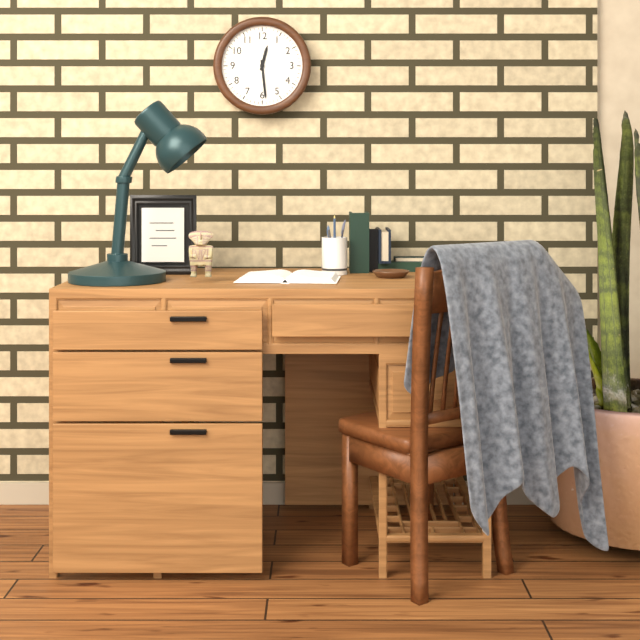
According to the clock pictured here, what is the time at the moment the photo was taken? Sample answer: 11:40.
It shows 12:29
